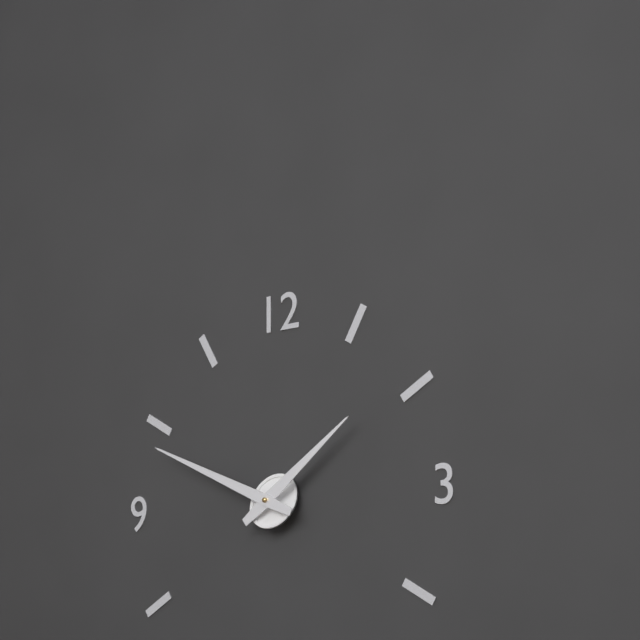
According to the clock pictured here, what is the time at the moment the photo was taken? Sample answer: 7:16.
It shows 1:49
